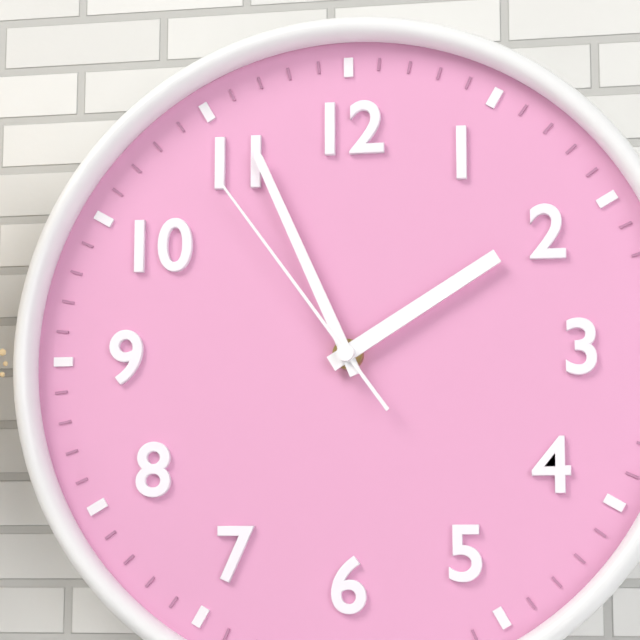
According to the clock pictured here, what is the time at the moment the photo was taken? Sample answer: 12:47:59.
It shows 1:56:54
